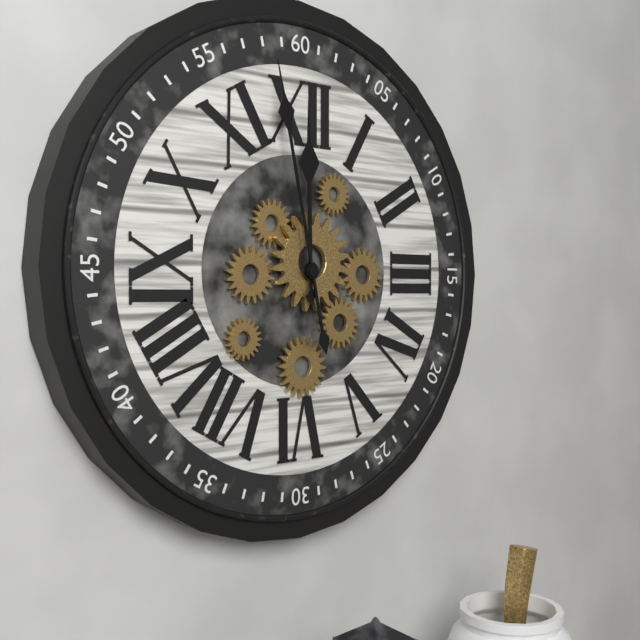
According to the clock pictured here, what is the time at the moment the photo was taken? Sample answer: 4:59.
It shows 11:58
